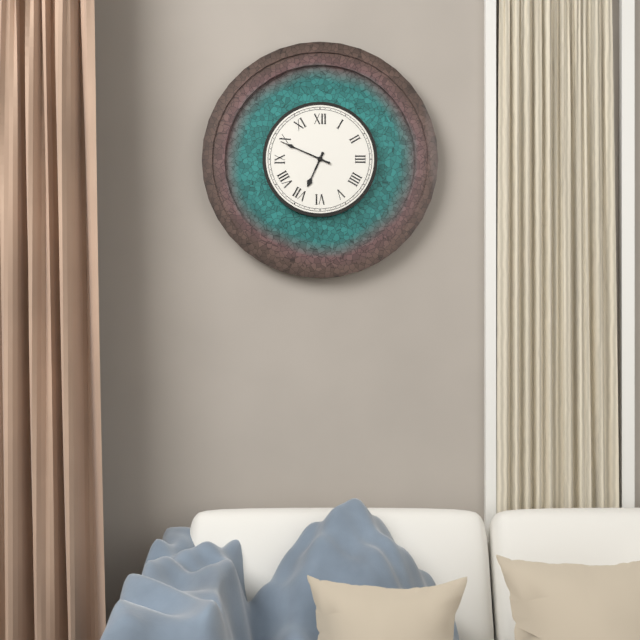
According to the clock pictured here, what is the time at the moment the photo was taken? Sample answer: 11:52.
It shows 6:49
